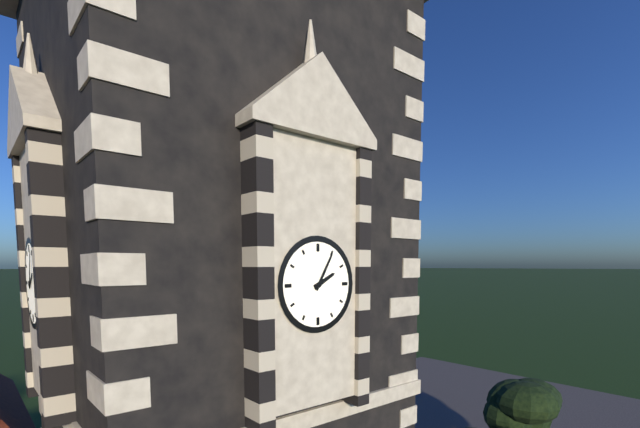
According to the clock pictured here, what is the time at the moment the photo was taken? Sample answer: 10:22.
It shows 2:05
